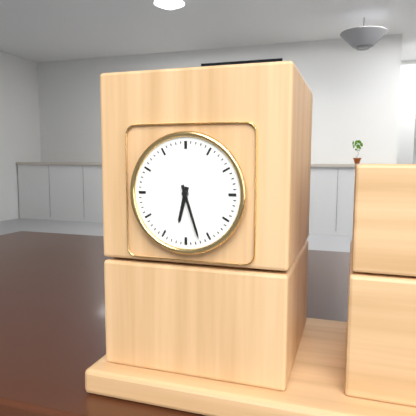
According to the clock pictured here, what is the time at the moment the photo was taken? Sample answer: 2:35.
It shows 6:27
